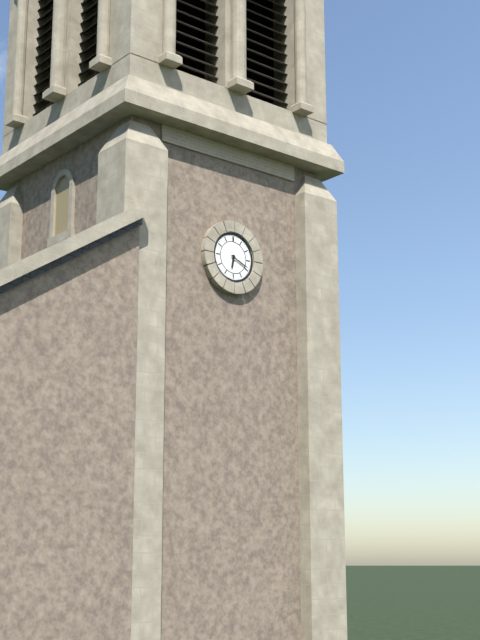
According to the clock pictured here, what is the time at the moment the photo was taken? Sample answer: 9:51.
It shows 6:19
